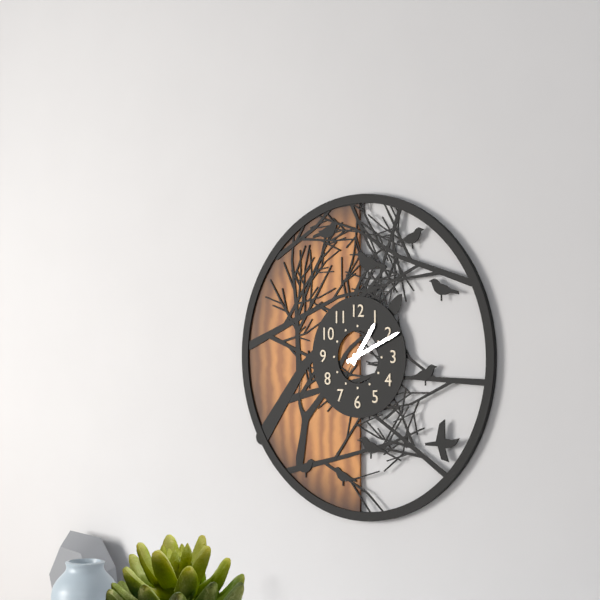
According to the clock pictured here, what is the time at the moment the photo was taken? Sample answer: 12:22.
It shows 1:11
